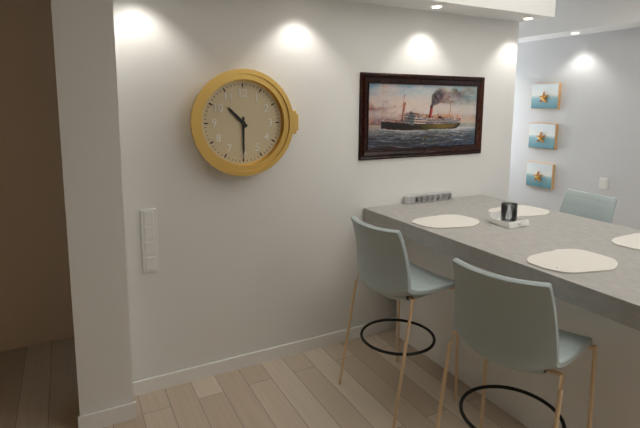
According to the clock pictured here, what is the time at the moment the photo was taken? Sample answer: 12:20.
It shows 10:30
